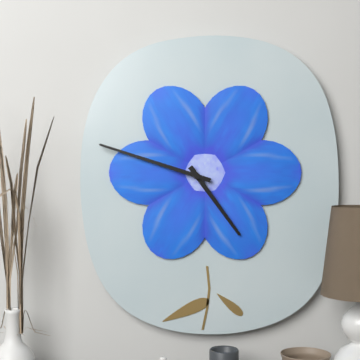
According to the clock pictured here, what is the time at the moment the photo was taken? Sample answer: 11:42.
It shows 4:48
